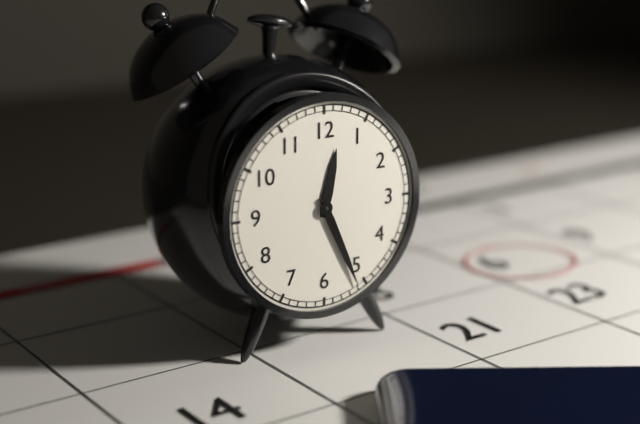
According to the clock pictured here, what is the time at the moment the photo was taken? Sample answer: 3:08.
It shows 12:26
